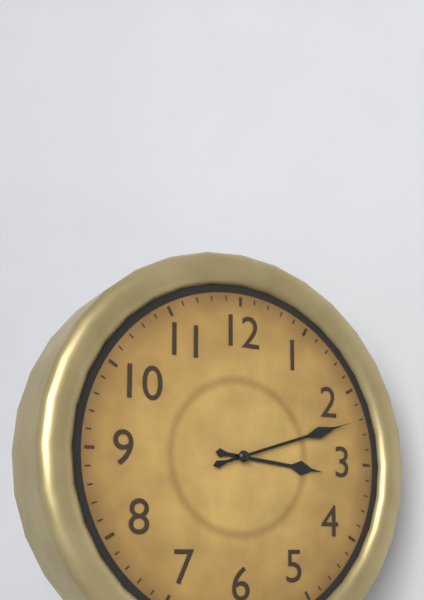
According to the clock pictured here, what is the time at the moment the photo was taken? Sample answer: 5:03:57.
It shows 3:12:12
